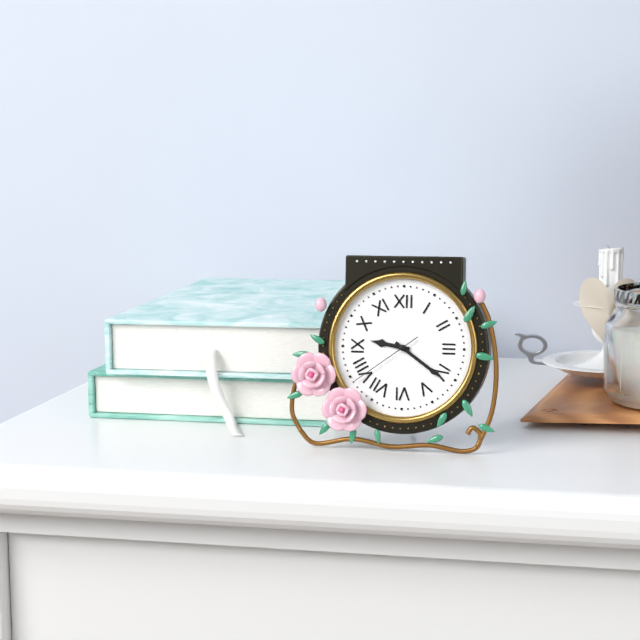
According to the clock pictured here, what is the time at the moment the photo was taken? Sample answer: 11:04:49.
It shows 9:21:39
